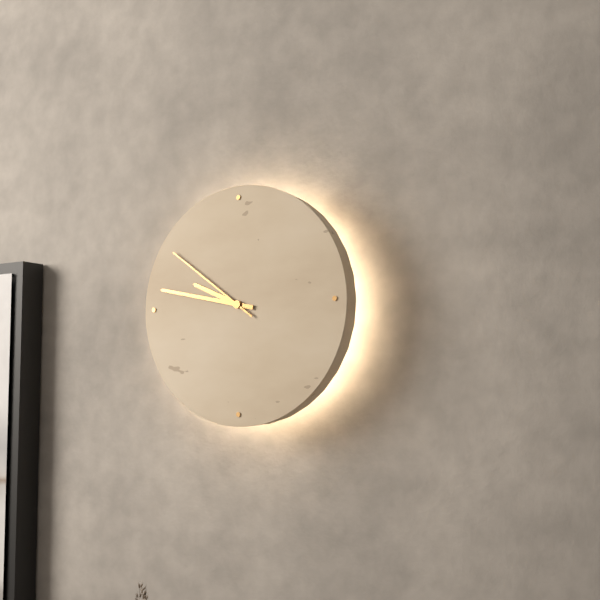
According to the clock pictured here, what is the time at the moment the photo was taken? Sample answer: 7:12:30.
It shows 9:47:51
